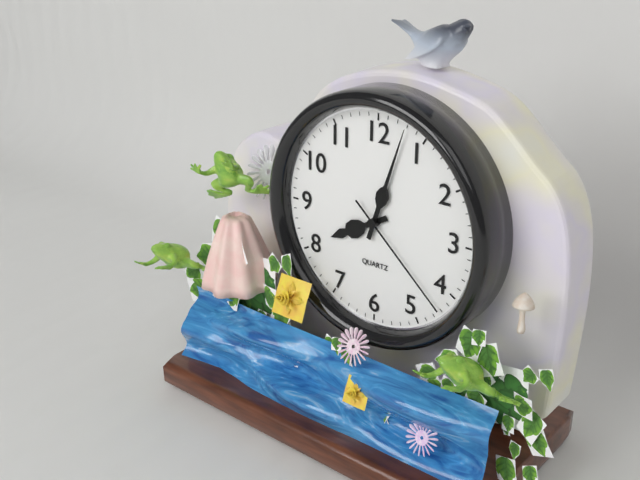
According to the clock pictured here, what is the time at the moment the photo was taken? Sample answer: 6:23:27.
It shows 8:03:22
